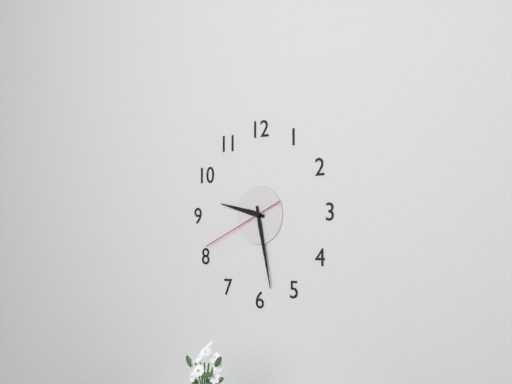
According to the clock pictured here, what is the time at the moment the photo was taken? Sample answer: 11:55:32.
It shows 9:28:41
